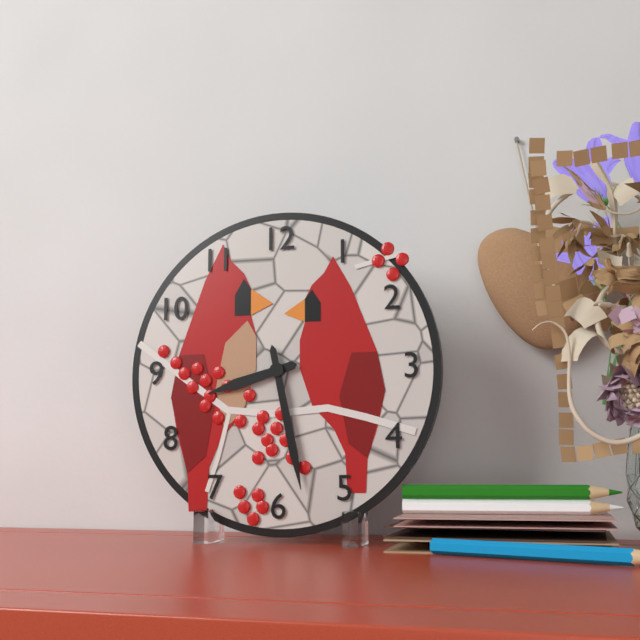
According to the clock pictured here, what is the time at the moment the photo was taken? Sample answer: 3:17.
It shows 8:28
